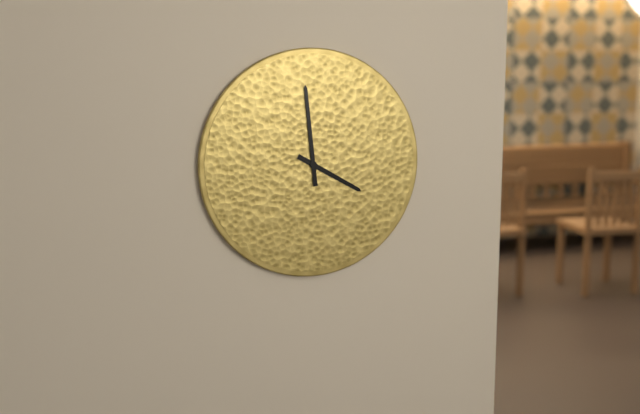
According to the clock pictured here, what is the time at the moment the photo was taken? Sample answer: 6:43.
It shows 3:59
